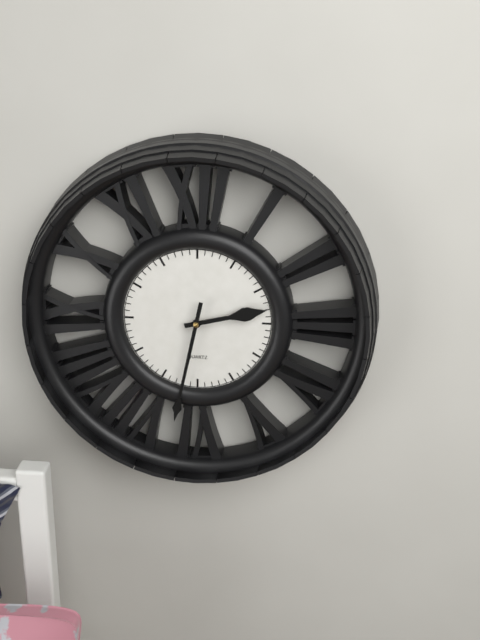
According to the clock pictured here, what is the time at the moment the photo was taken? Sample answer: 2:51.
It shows 2:32
